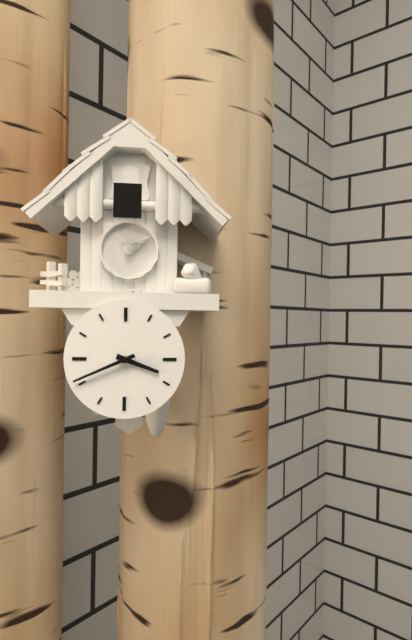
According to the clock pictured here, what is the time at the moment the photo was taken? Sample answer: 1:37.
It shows 3:41
